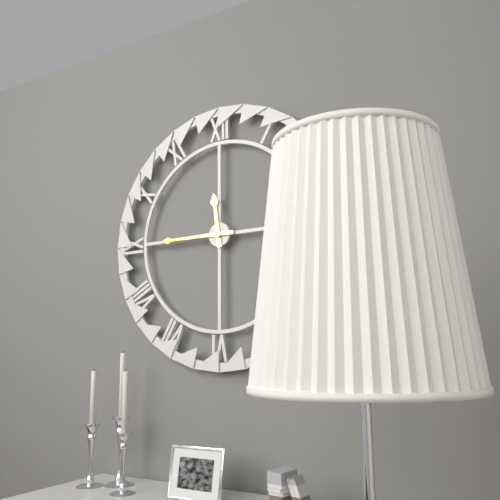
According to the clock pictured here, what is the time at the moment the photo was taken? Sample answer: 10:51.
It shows 11:45
